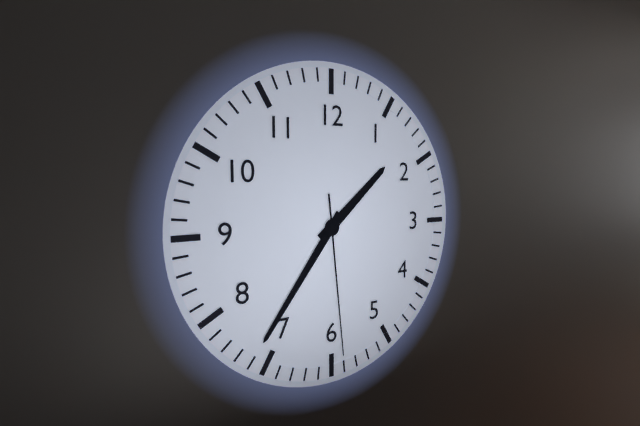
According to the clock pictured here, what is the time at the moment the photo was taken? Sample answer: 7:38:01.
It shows 1:36:29
